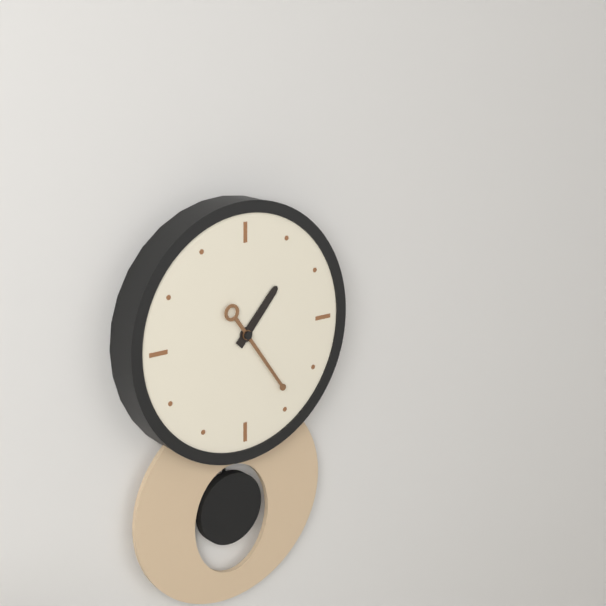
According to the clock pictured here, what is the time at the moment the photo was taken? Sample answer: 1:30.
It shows 1:24
